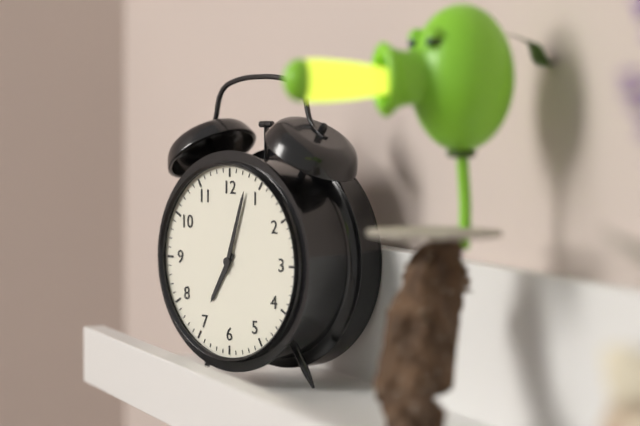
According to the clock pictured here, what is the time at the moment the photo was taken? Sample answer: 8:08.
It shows 7:03
